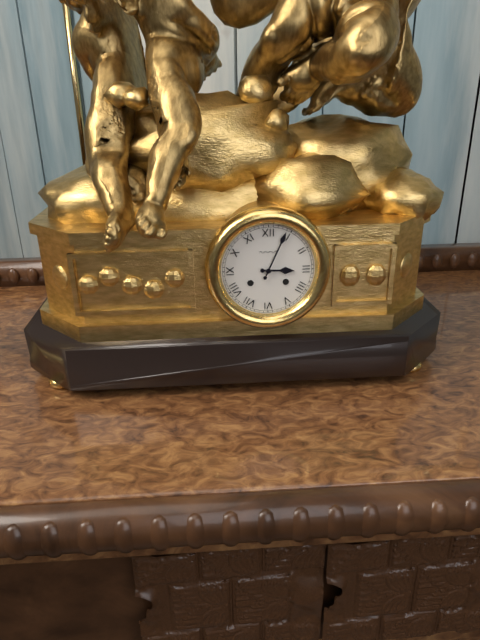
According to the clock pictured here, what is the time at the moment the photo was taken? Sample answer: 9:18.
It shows 3:04
